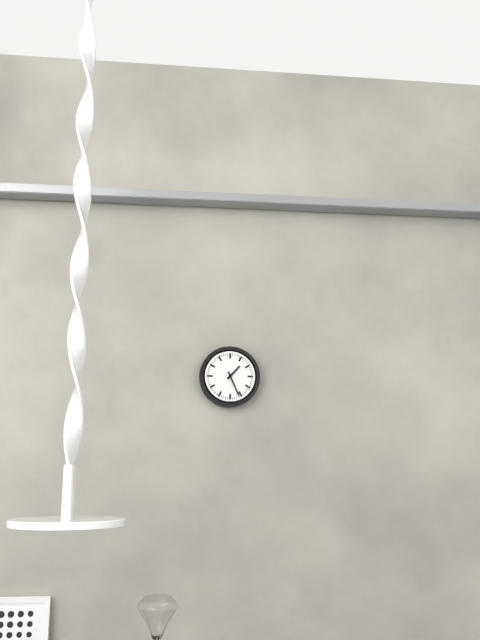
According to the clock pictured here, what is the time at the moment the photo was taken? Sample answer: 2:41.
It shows 1:26
